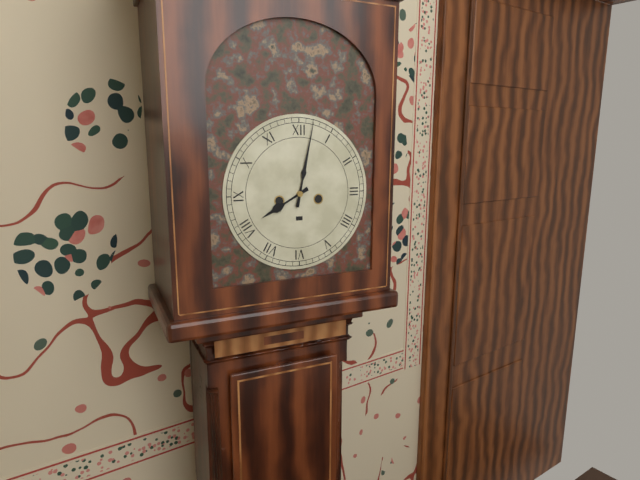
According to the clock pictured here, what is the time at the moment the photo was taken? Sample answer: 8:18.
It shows 8:02
